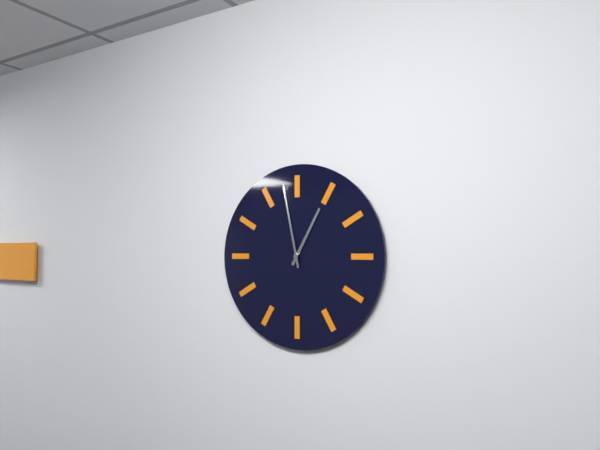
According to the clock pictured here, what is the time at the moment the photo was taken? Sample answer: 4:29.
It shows 12:58
